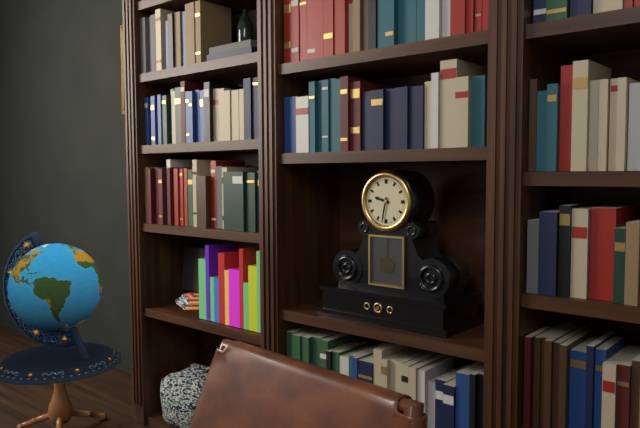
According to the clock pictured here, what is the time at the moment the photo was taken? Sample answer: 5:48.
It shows 9:32
